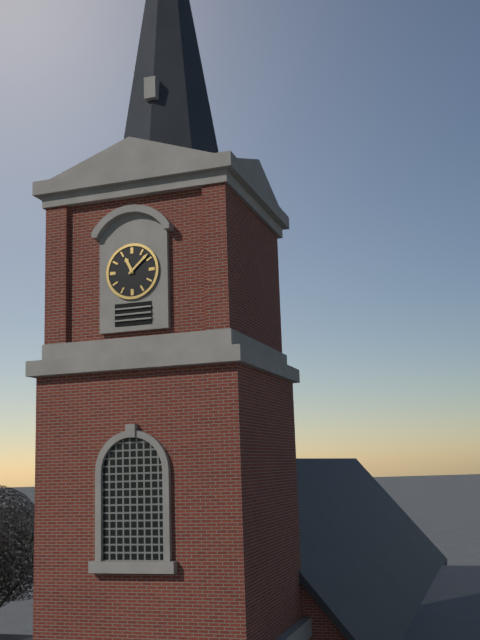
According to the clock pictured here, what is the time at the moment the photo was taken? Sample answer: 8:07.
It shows 11:08
